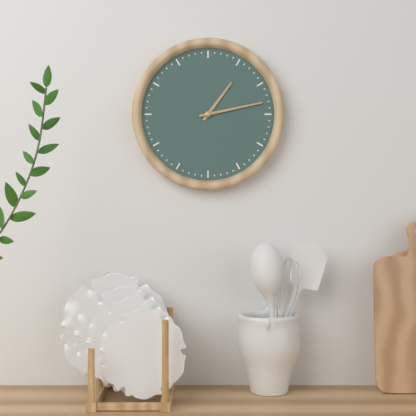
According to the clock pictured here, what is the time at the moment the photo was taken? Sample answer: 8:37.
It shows 1:13
